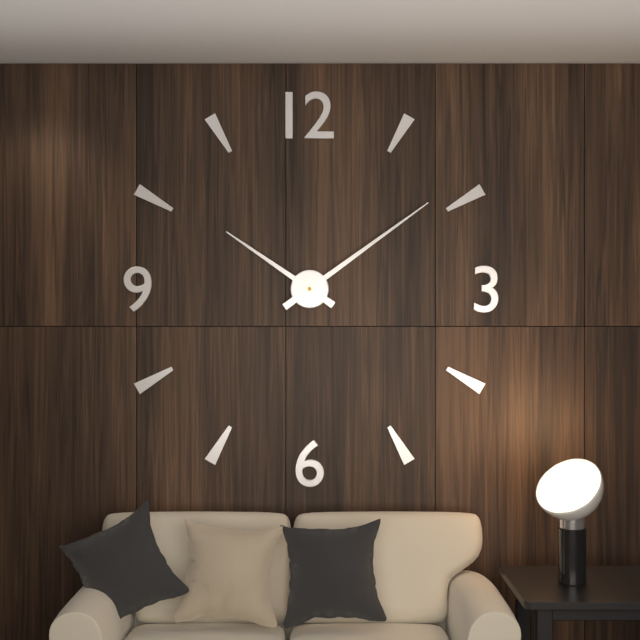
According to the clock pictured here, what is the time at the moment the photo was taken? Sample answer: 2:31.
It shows 10:09
